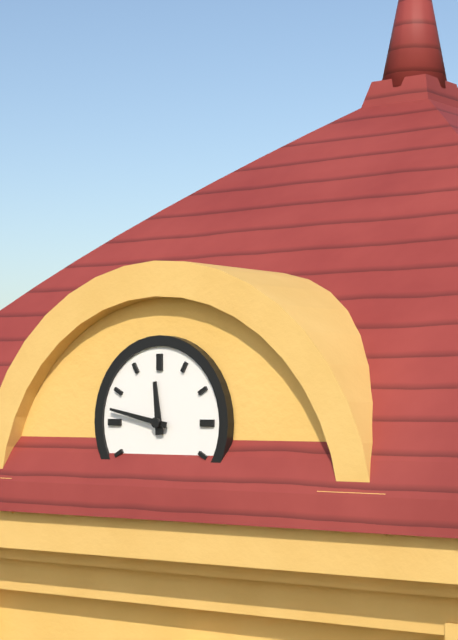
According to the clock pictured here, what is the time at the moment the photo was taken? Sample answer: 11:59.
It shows 11:47
